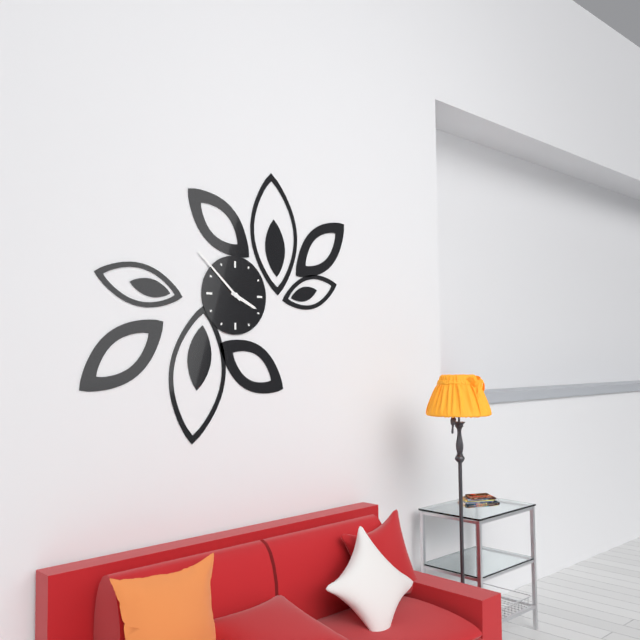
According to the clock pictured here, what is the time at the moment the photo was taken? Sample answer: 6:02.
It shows 3:52
